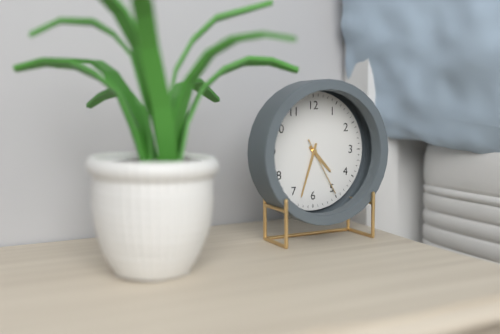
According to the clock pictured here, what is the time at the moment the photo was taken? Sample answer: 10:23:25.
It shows 4:33:25
